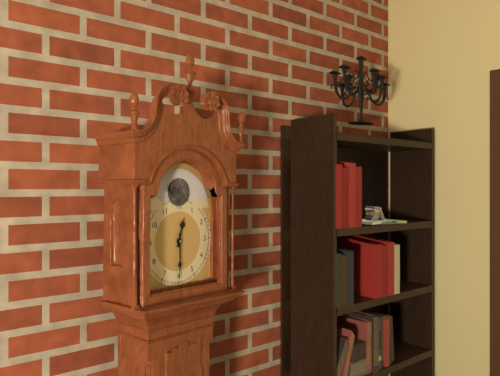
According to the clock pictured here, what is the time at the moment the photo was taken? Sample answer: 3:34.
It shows 12:30
